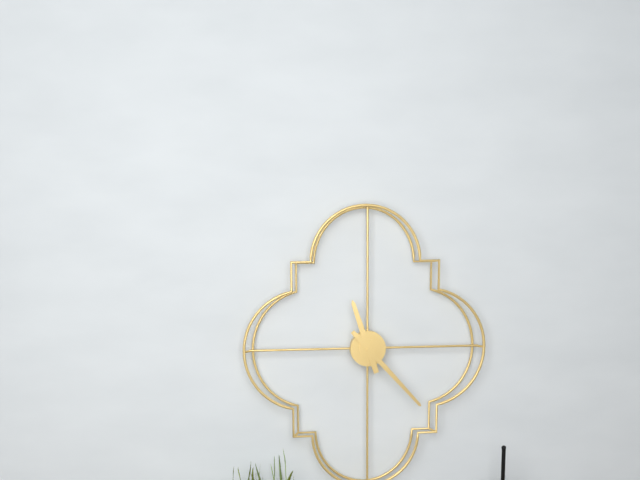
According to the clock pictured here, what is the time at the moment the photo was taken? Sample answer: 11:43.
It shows 11:23
